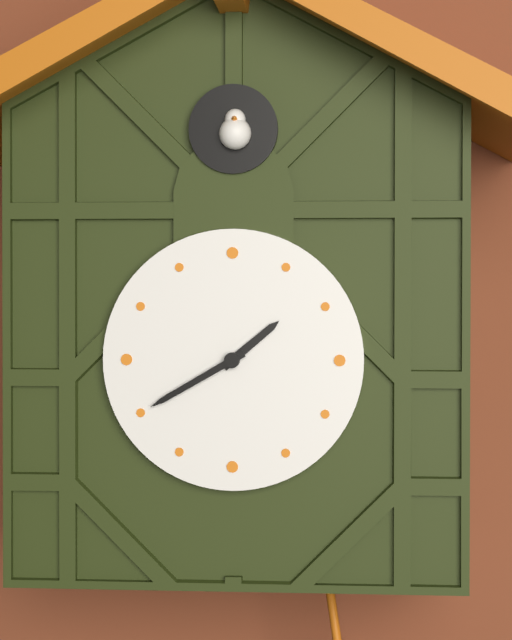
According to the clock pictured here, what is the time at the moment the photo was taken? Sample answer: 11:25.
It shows 1:40
